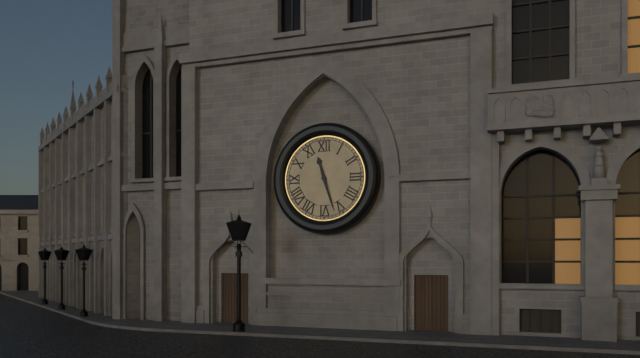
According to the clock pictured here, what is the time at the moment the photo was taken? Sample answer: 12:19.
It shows 11:27
